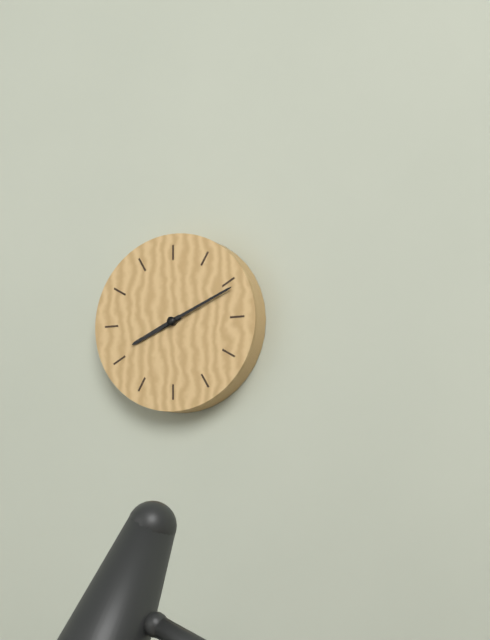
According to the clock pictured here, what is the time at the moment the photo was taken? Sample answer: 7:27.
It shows 8:11
